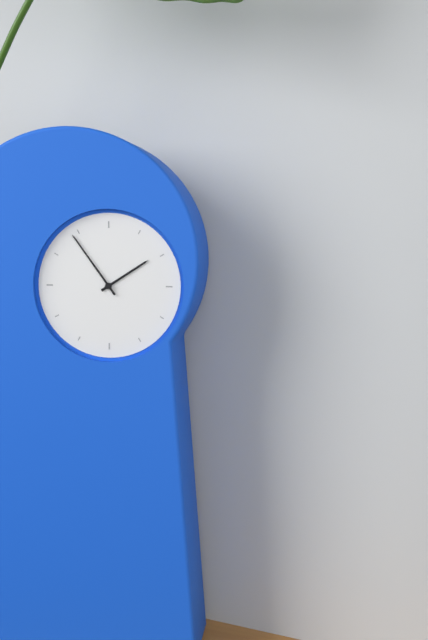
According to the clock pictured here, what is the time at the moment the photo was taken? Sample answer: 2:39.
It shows 1:54
